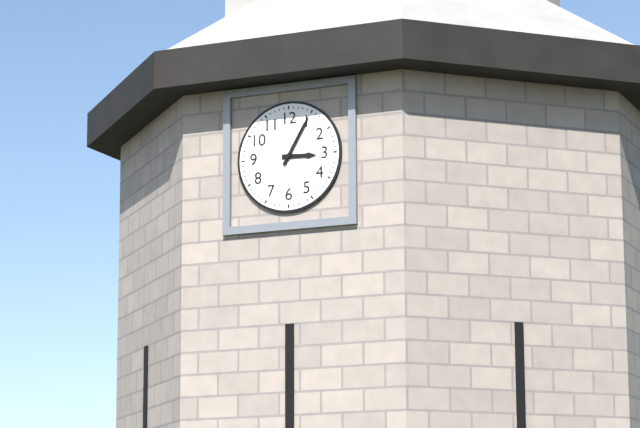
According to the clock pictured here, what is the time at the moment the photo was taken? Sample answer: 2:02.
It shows 3:05
